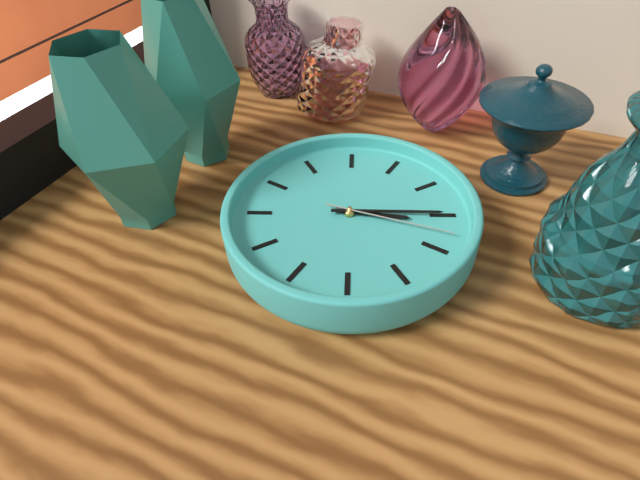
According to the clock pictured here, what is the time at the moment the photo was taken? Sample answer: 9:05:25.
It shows 3:15:18
